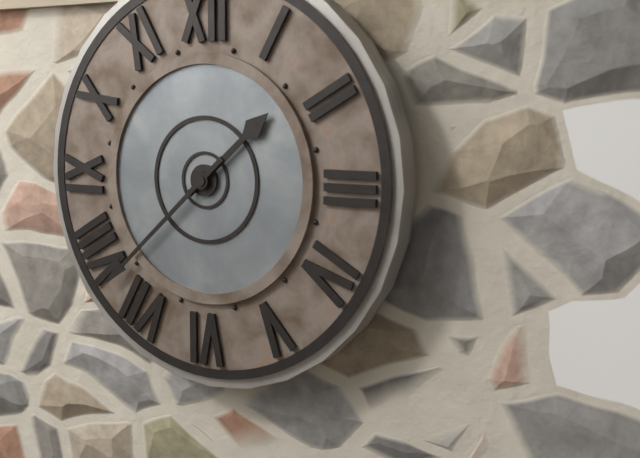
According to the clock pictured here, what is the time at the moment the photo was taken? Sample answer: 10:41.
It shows 1:38
